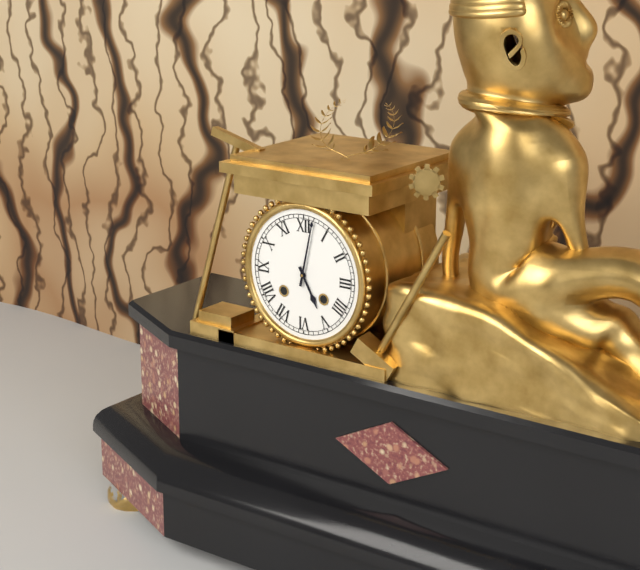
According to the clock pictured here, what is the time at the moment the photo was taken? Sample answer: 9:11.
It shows 5:02
